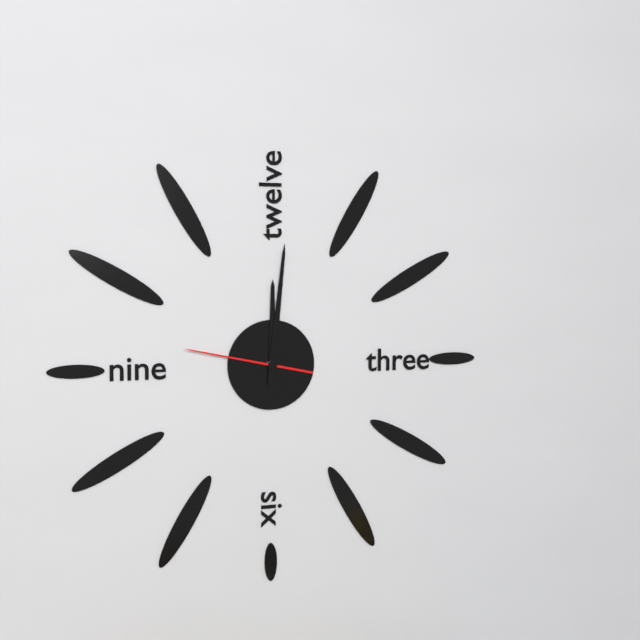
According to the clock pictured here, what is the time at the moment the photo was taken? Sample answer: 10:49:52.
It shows 12:01:47
